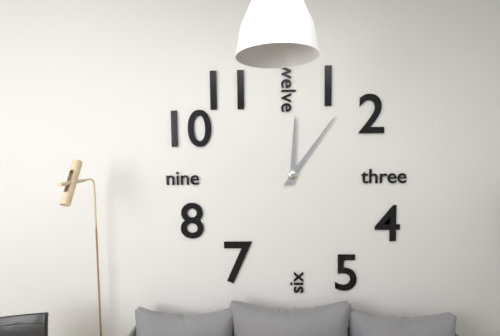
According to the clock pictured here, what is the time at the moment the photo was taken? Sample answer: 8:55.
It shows 12:06
